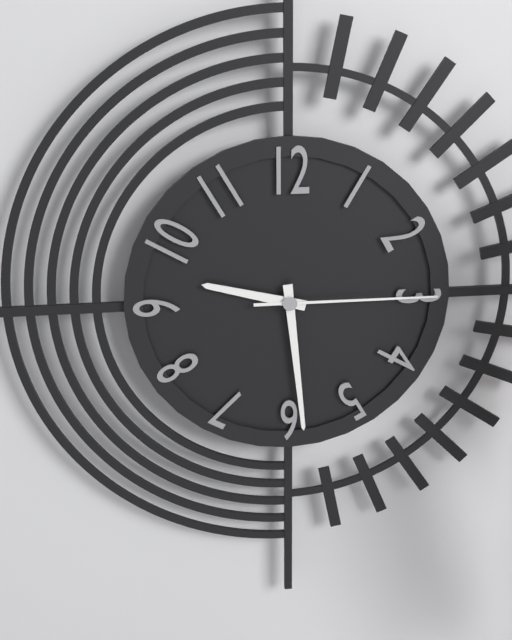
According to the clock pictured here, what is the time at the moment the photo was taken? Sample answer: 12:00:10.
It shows 9:29:15
